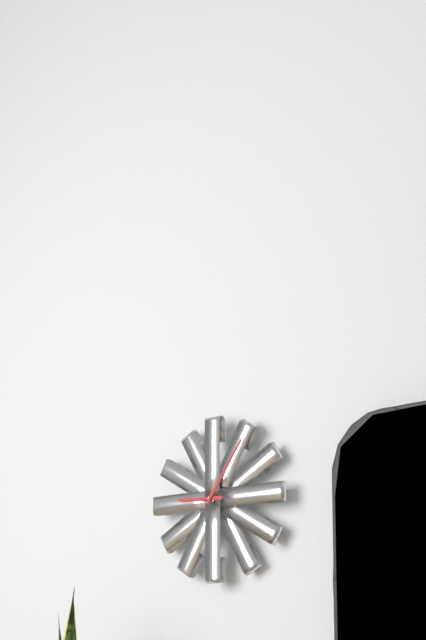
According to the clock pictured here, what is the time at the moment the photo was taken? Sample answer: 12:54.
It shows 9:06
